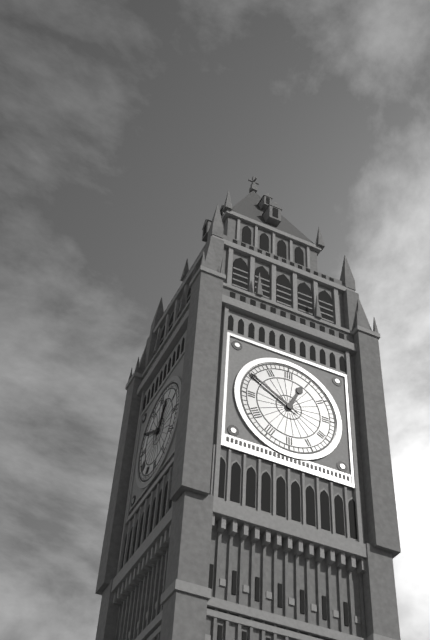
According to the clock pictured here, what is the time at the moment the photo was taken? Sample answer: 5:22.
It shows 12:50
